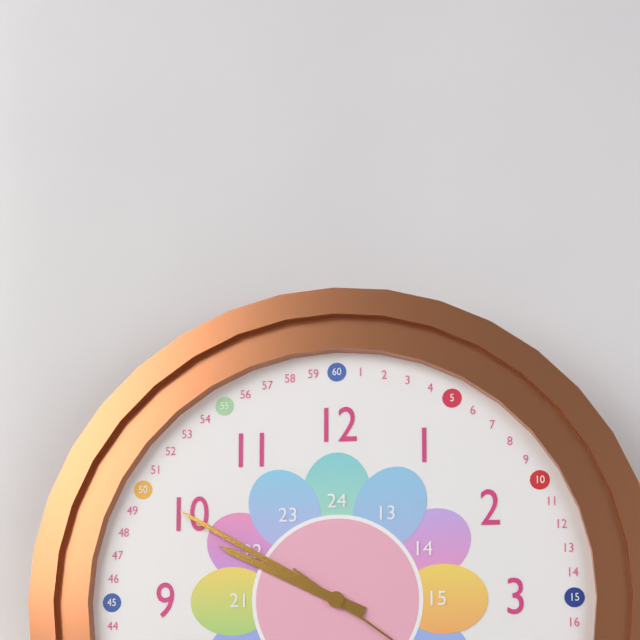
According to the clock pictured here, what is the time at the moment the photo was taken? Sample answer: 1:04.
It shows 9:50
